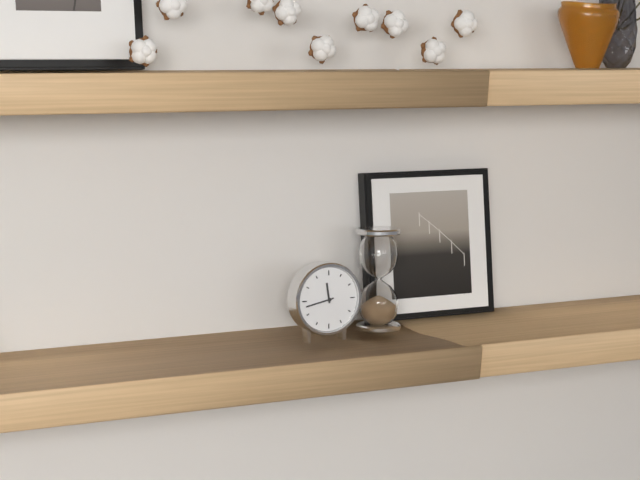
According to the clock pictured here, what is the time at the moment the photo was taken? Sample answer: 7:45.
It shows 11:43
